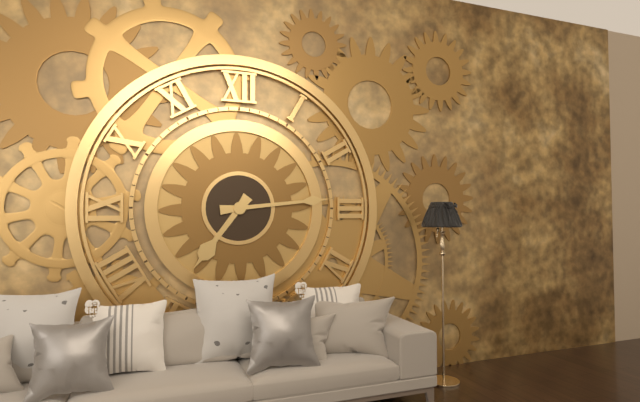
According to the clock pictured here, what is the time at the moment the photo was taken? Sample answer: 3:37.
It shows 7:14
